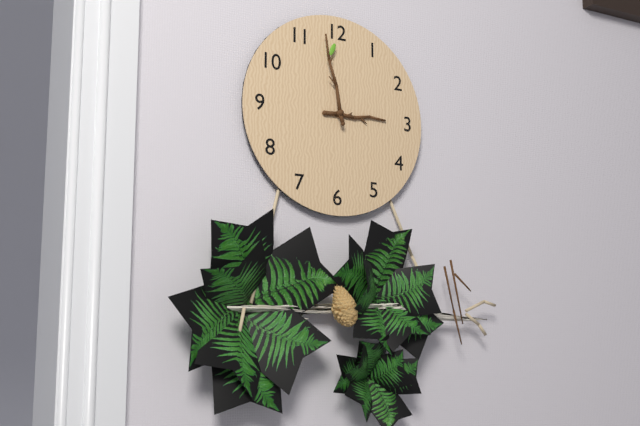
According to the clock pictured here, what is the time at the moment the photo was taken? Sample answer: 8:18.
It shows 2:58
